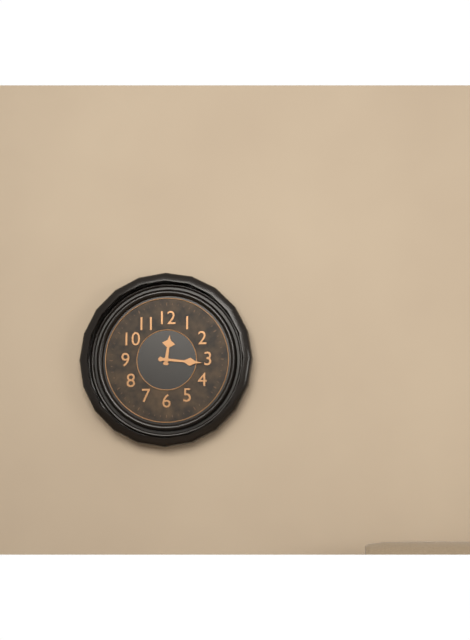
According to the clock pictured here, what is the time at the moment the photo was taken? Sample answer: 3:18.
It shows 12:16
